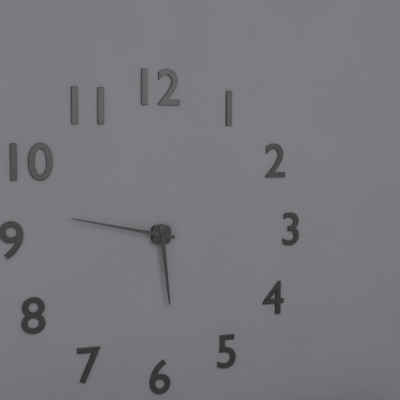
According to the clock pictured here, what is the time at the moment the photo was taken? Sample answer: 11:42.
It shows 5:47
